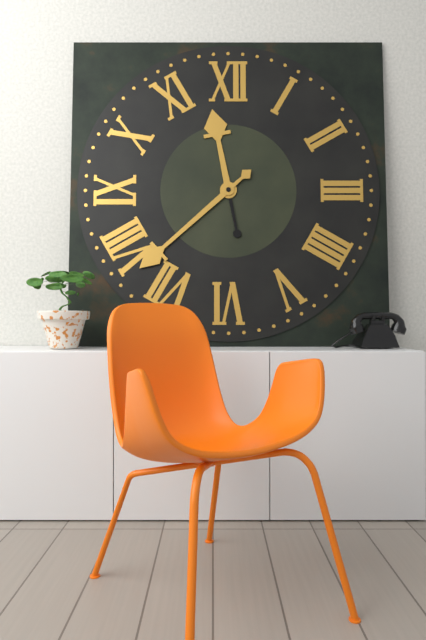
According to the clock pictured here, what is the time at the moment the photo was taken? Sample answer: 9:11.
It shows 11:38
